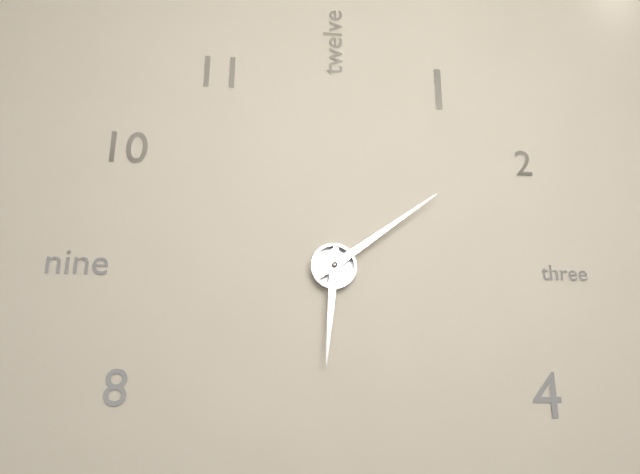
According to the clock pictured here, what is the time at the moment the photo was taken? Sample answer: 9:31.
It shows 6:09
